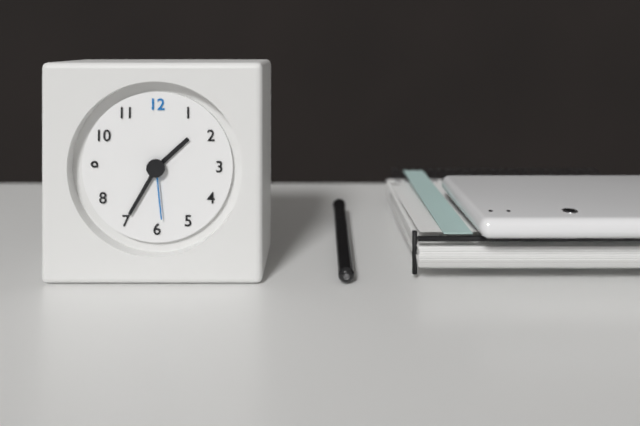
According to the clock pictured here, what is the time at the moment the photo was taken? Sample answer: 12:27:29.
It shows 1:35:29
